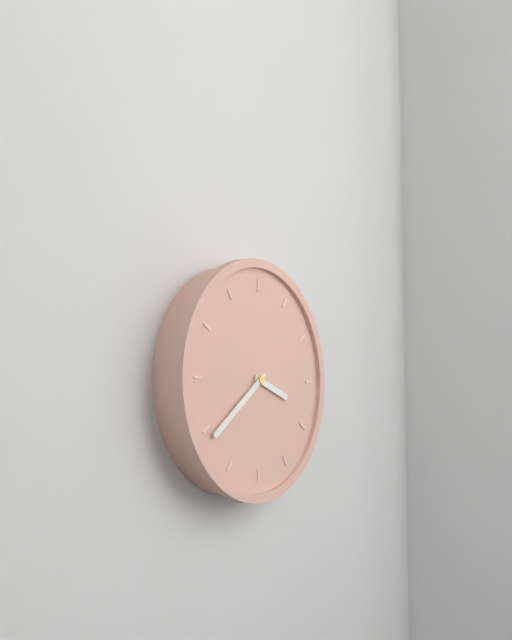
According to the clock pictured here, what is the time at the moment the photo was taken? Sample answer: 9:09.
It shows 3:39
